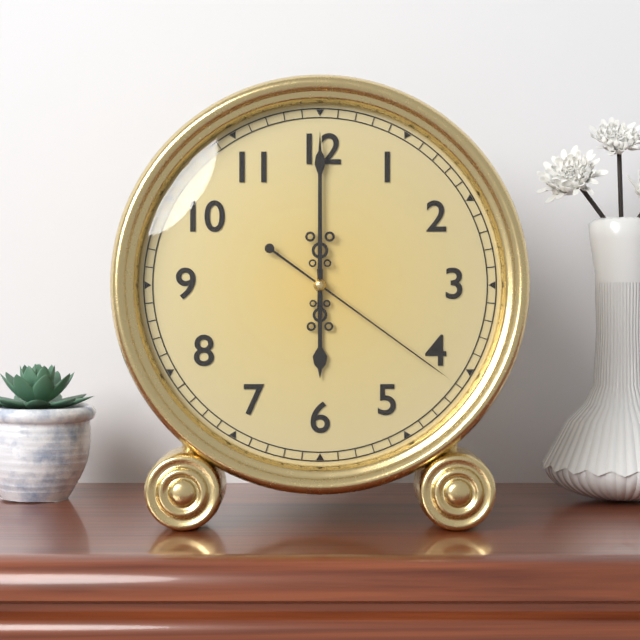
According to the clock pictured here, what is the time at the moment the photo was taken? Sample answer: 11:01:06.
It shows 6:00:21
